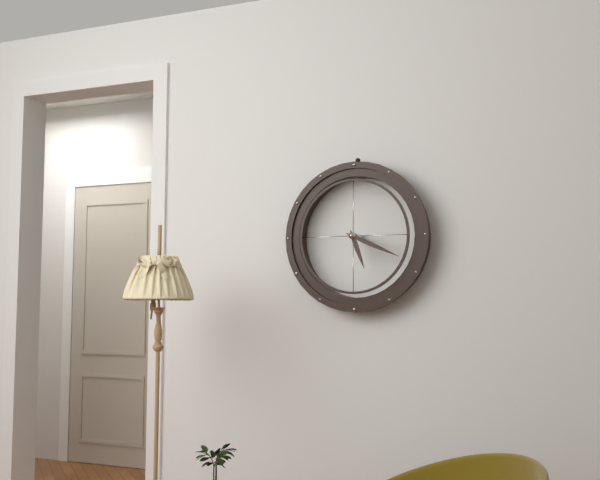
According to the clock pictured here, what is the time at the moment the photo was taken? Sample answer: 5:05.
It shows 5:19
